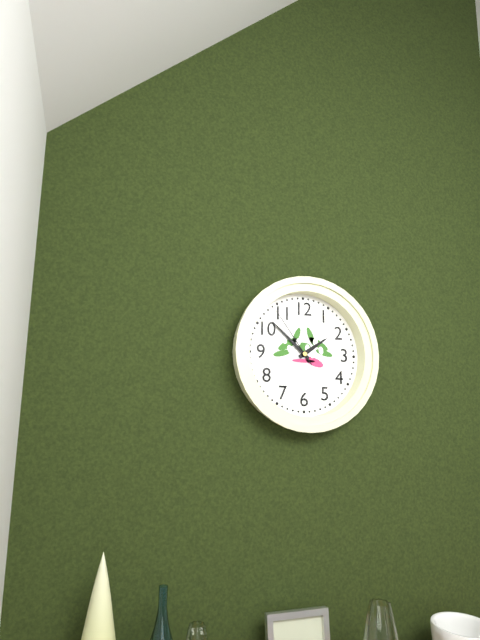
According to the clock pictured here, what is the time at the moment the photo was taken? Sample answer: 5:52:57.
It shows 1:52:54
